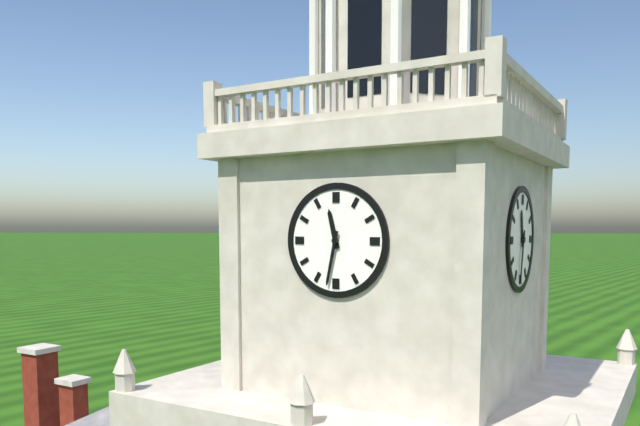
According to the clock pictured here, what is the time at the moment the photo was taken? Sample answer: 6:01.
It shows 11:32
